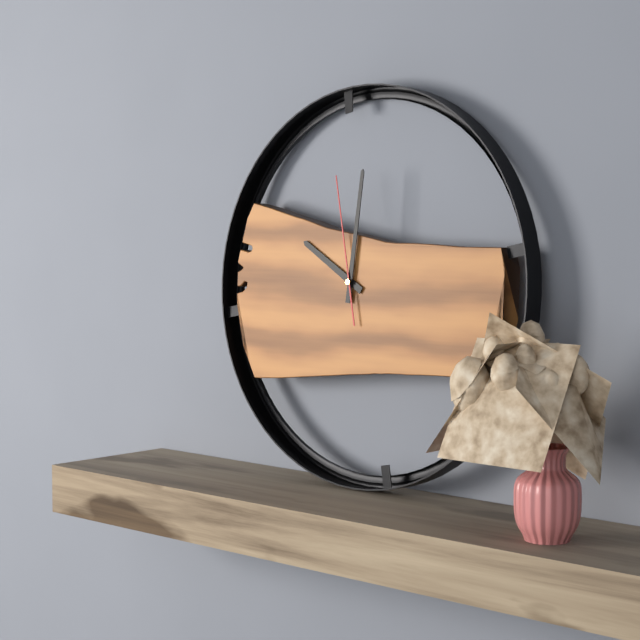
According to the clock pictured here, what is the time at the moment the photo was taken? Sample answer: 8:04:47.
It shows 10:01:58
